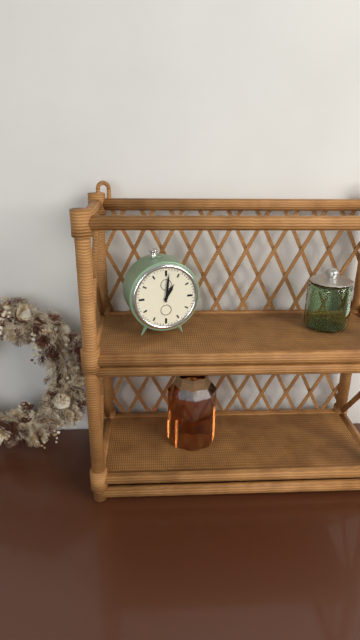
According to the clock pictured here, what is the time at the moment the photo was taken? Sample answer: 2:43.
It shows 1:01
